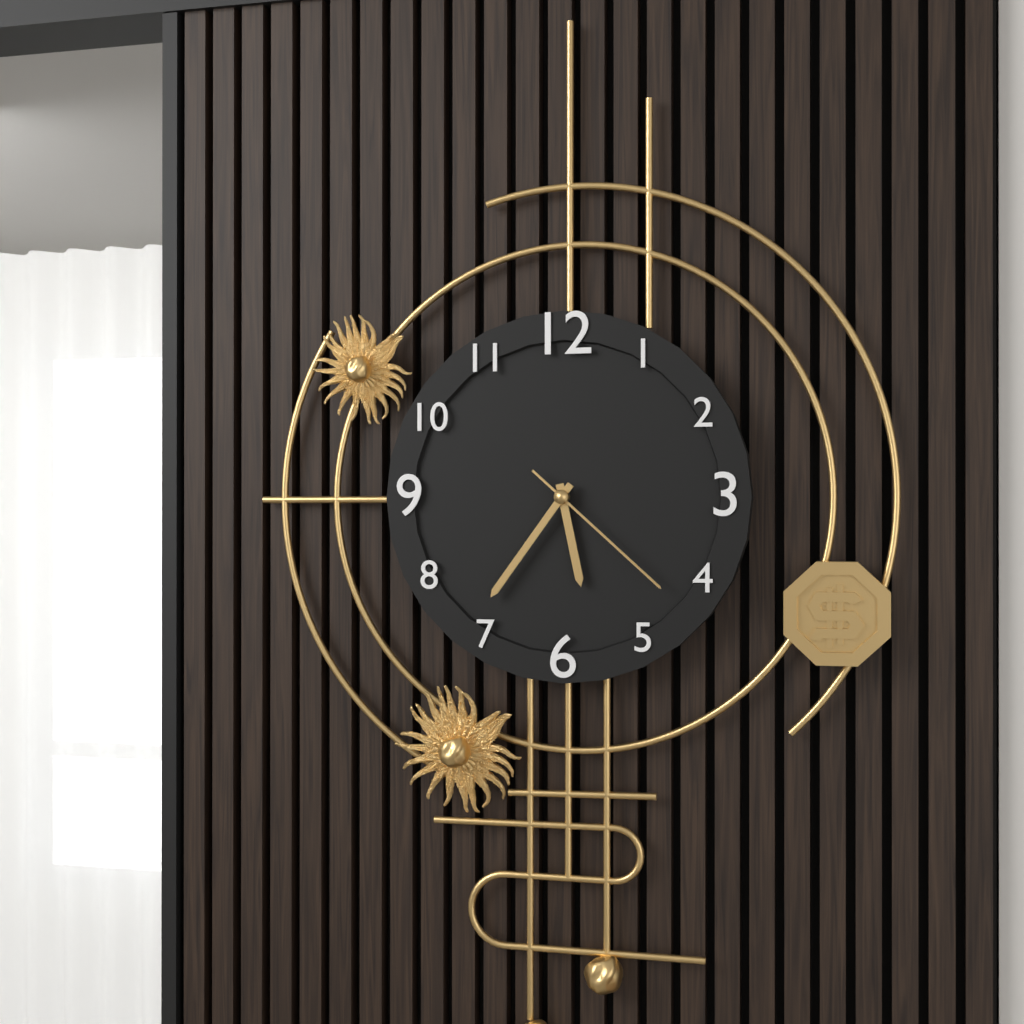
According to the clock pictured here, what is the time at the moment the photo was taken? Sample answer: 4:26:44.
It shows 5:36:22
